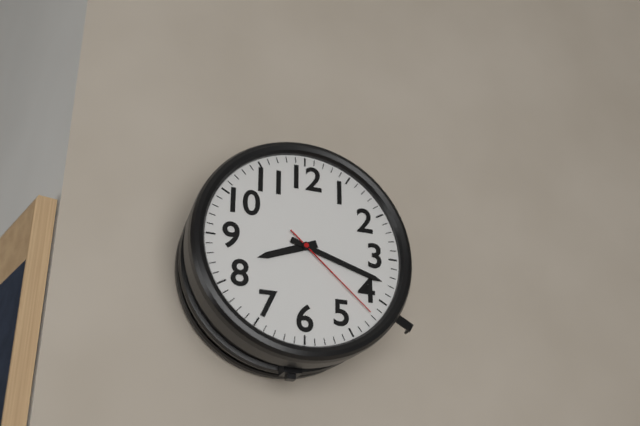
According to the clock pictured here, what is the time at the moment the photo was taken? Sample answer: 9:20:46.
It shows 8:18:22
